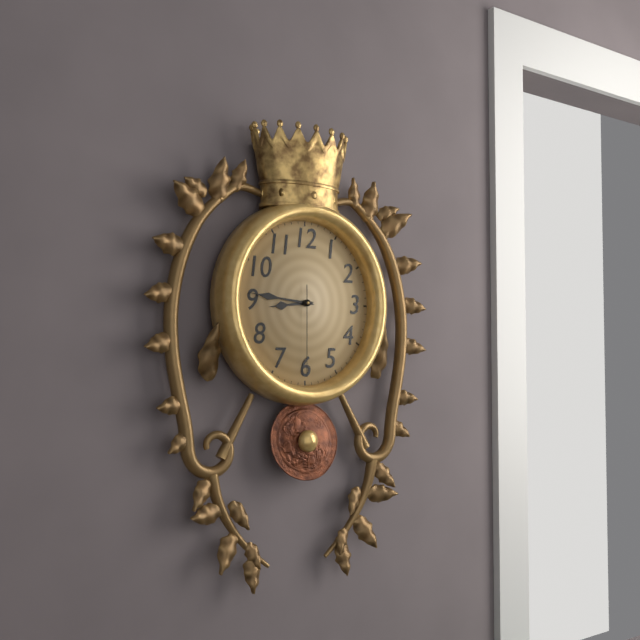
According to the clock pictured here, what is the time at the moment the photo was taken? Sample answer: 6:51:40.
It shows 8:46:30
